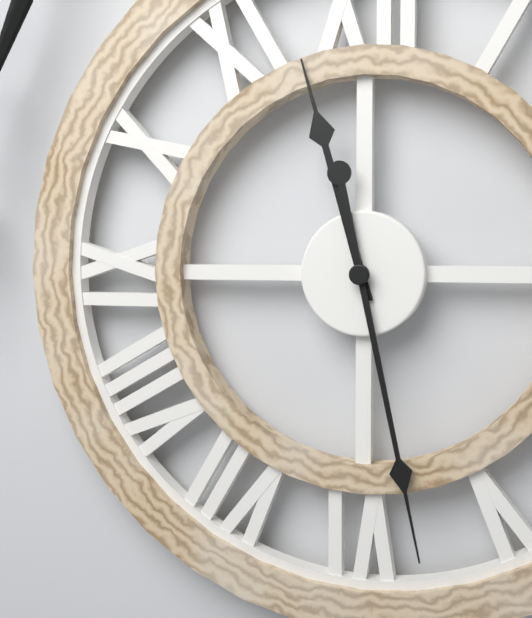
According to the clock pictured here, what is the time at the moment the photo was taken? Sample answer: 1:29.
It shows 11:28
